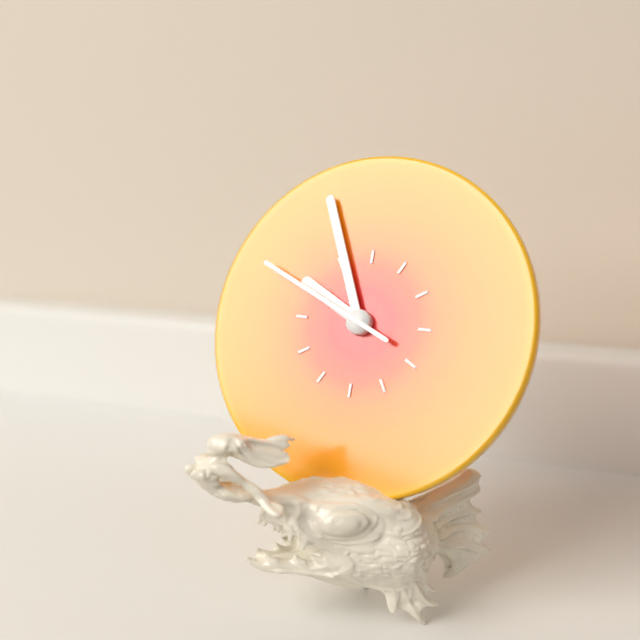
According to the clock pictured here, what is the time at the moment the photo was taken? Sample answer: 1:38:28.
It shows 9:56:49
